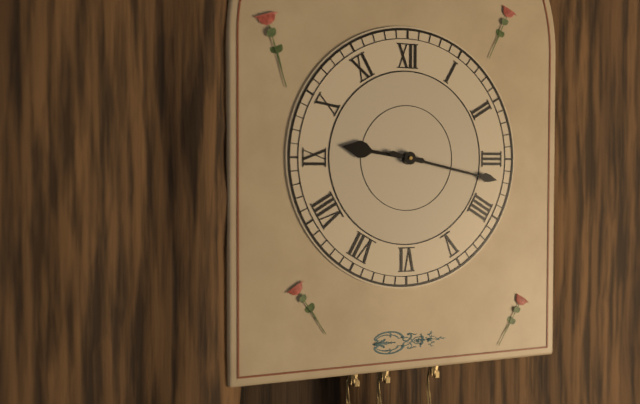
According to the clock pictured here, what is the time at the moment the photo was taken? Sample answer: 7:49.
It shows 9:17
